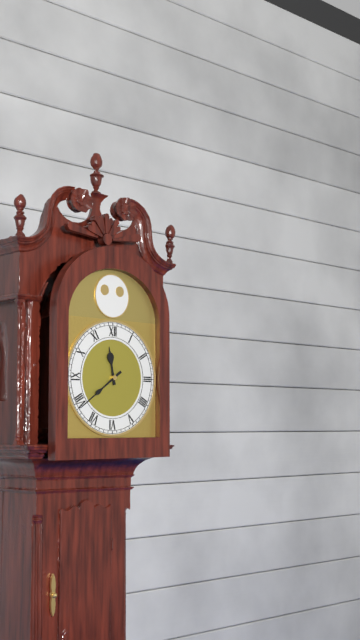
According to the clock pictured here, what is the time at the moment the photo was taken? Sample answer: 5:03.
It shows 11:39
